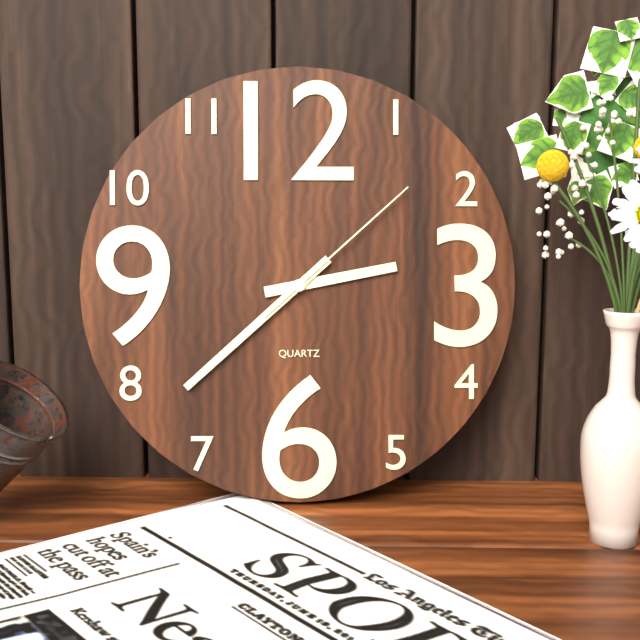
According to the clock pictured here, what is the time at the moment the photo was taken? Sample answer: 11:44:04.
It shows 2:38:08
